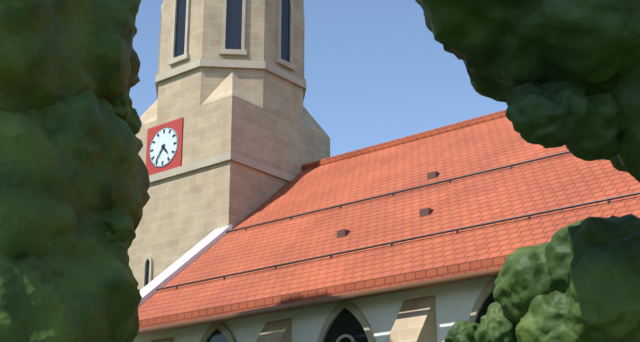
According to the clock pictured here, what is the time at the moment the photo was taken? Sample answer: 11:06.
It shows 4:36
